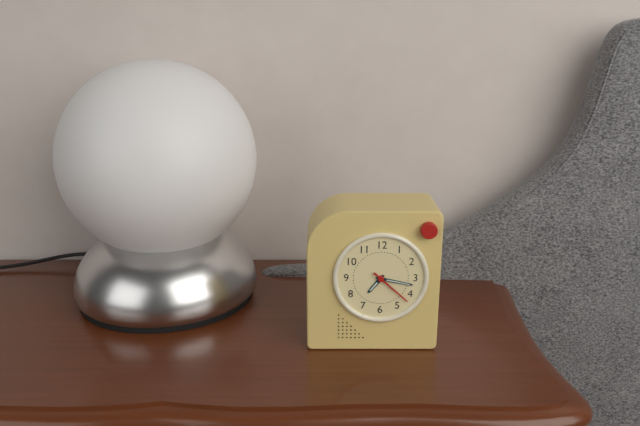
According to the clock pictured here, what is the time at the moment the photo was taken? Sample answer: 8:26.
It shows 7:17
